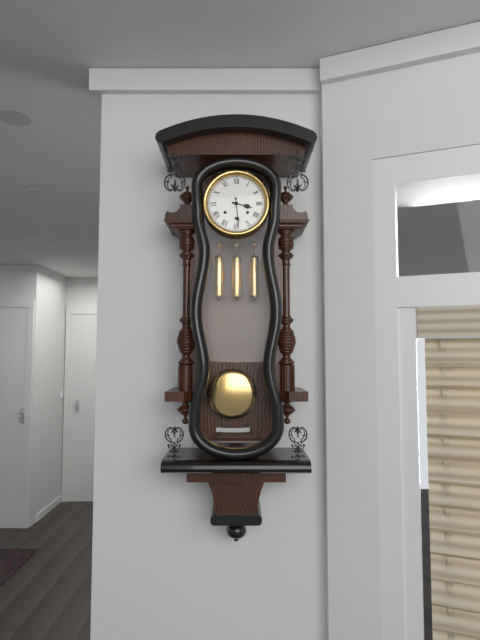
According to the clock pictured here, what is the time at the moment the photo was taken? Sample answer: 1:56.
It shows 3:29
